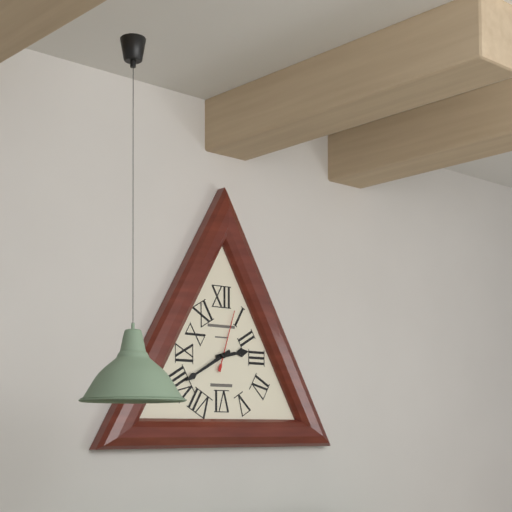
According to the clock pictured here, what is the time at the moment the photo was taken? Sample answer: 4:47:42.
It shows 2:40:03
